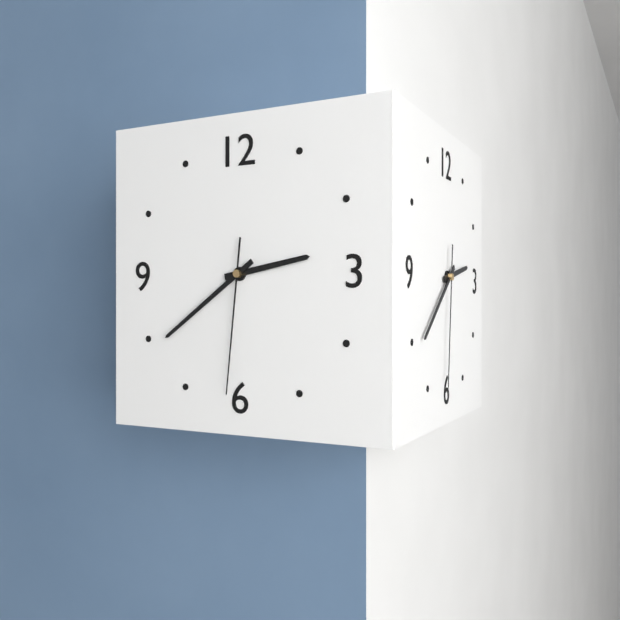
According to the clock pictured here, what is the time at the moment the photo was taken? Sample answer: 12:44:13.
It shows 2:39:31
